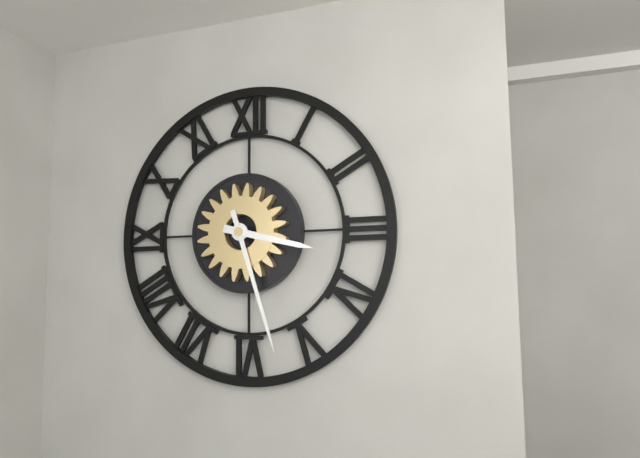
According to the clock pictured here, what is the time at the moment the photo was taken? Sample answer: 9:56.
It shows 3:27
